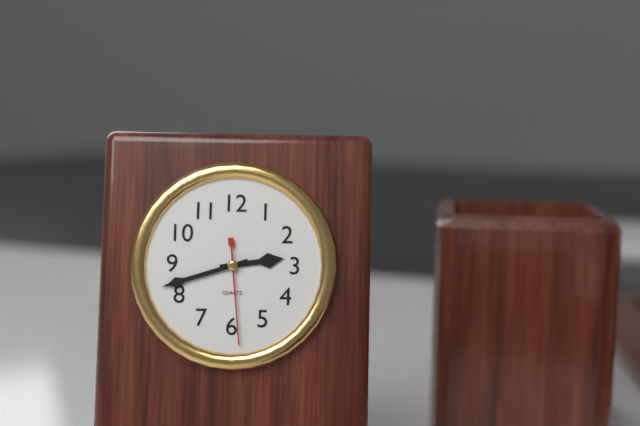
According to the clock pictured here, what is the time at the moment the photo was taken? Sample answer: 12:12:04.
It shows 2:42:29
